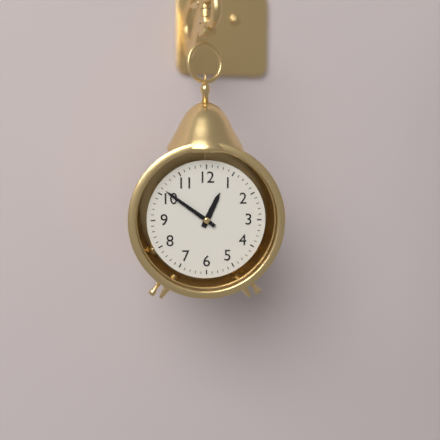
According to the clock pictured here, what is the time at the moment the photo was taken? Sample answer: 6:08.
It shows 12:51
